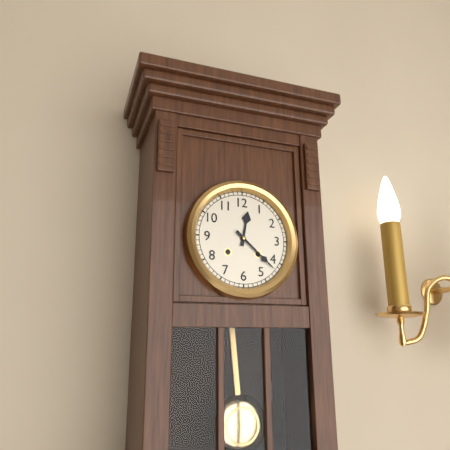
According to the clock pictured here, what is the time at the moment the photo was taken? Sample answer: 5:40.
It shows 12:22
